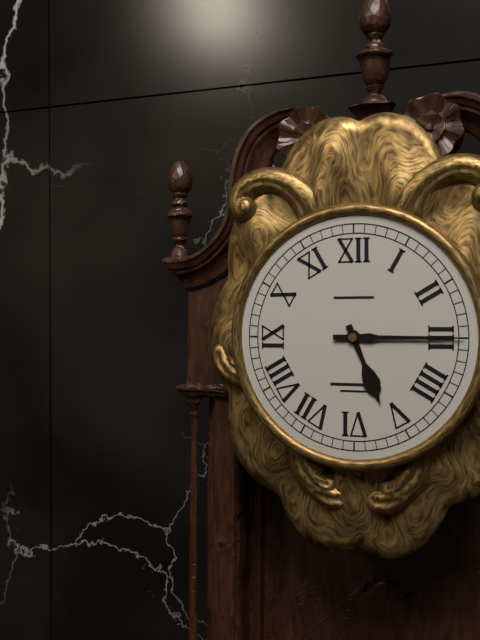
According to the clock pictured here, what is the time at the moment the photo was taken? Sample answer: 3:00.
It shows 5:15
